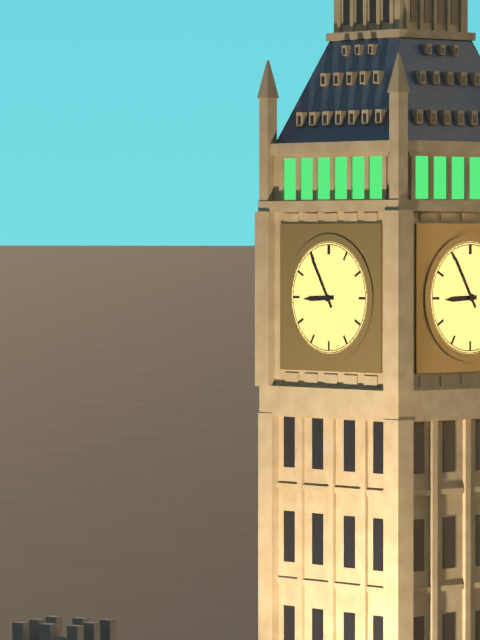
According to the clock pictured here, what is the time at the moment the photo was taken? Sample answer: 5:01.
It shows 8:55
